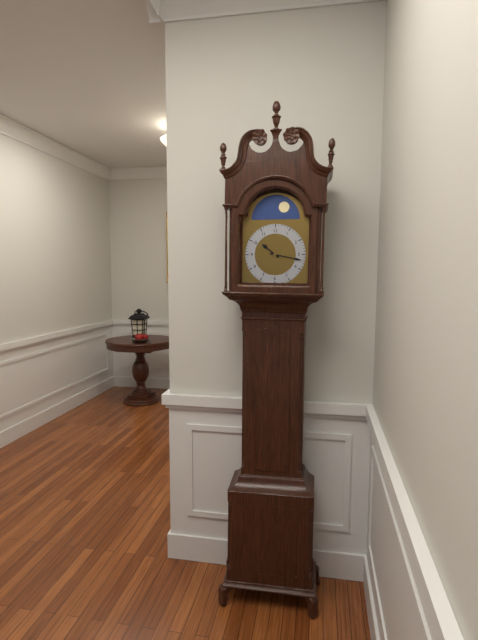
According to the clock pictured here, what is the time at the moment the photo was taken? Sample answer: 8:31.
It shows 10:17
